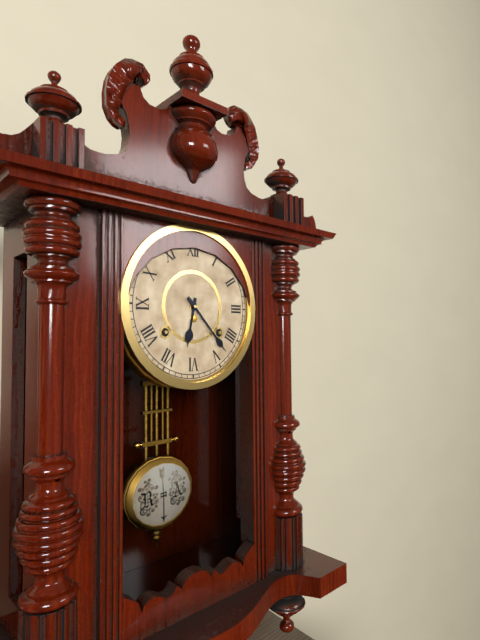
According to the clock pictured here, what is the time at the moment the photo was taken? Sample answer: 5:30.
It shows 6:23
